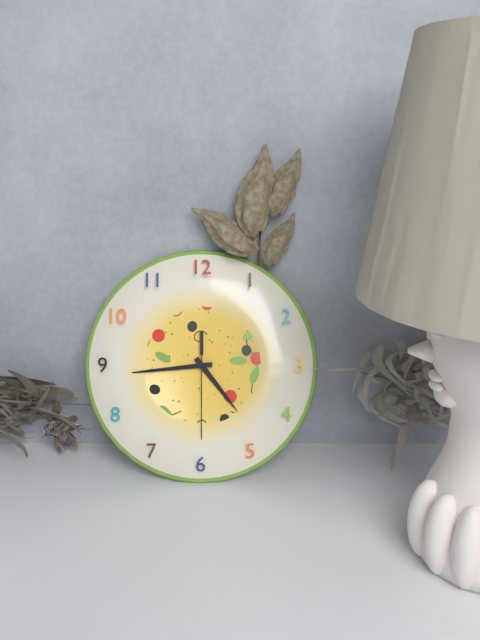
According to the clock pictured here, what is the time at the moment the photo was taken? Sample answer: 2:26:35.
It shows 4:44:30
